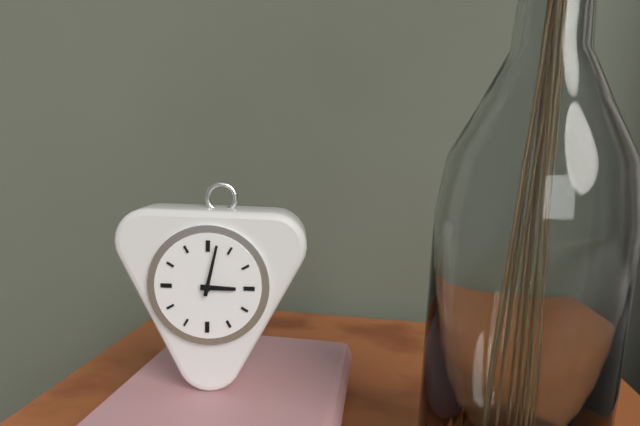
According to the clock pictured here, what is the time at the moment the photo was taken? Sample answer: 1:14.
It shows 3:02
